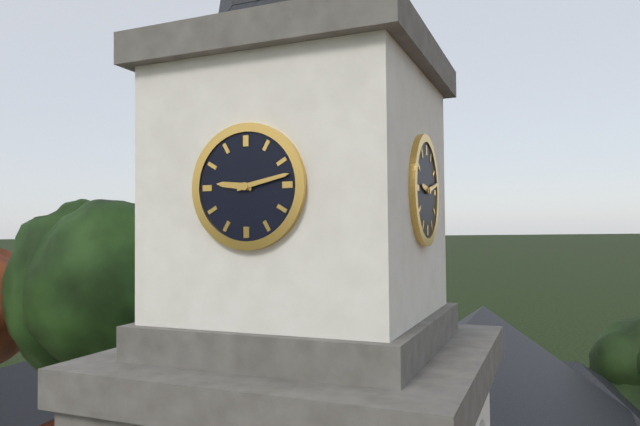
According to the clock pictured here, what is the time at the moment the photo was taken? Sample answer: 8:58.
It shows 9:13
